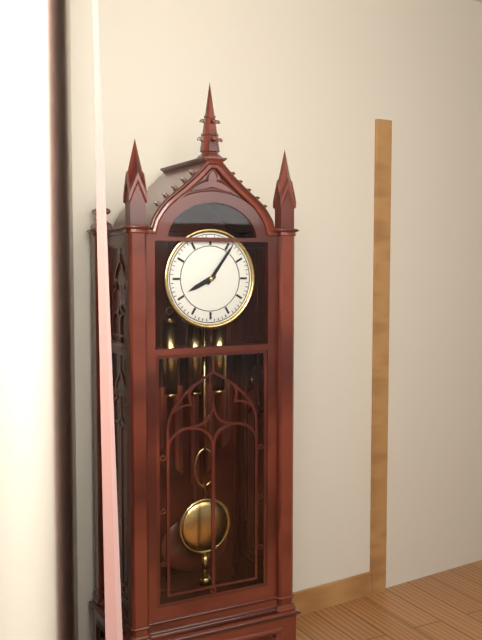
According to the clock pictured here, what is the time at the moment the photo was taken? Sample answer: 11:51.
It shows 8:06
